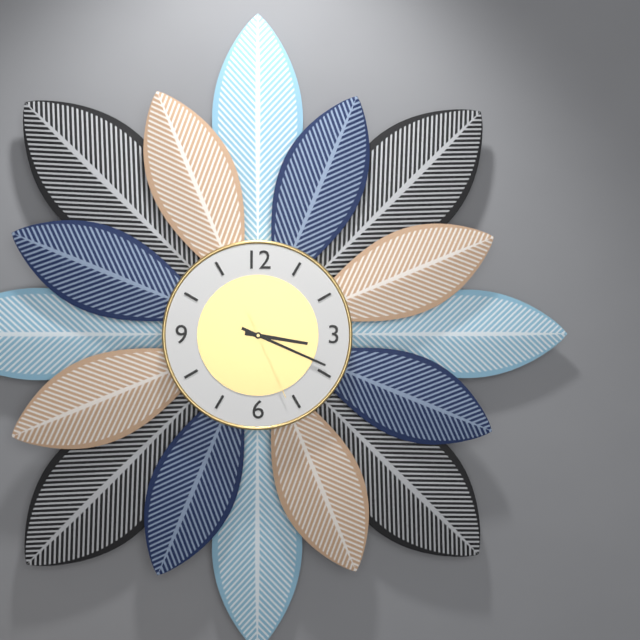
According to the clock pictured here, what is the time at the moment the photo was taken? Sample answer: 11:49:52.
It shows 3:19:26
